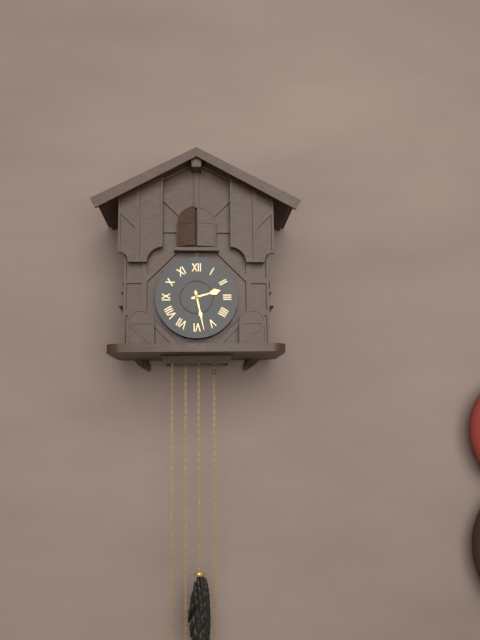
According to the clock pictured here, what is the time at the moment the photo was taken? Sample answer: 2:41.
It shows 2:28
